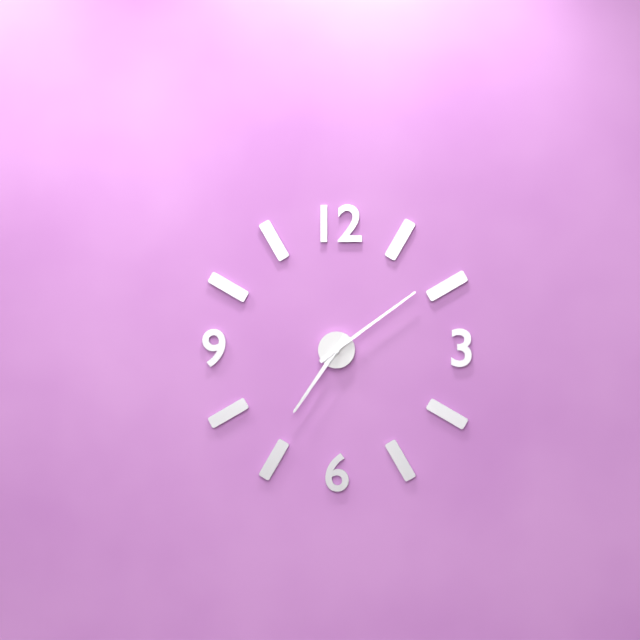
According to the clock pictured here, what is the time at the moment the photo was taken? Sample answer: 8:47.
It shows 7:09
